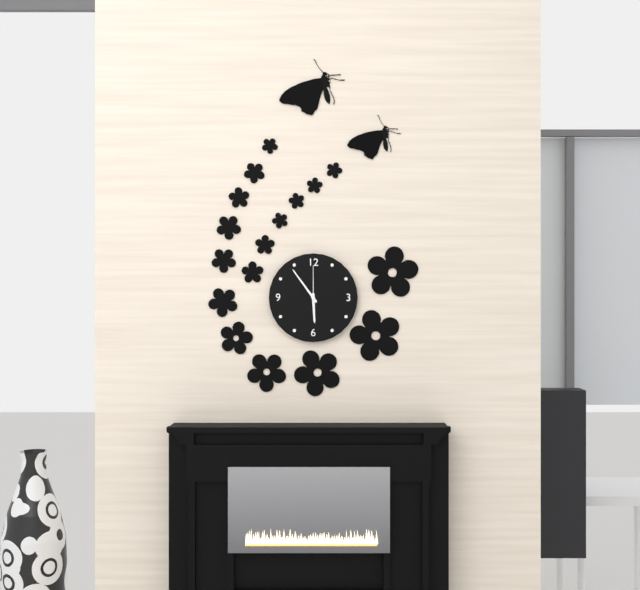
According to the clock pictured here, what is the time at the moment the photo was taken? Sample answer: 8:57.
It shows 5:54
